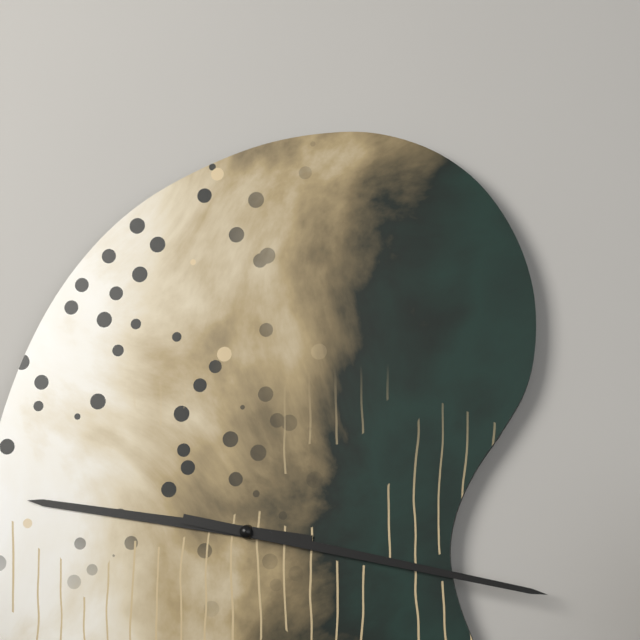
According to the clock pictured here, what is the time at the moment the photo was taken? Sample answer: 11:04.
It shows 9:17
